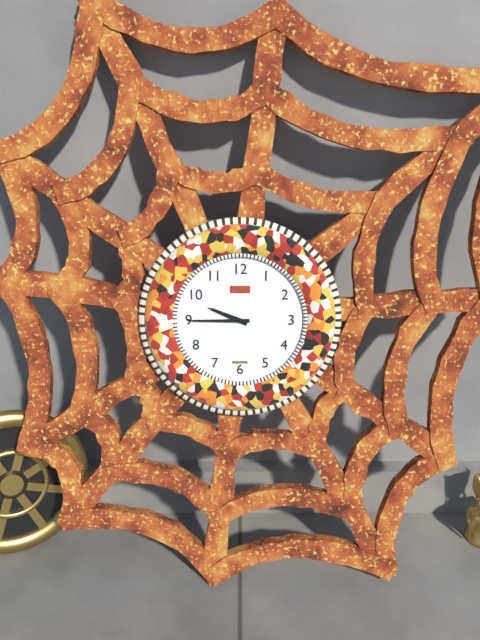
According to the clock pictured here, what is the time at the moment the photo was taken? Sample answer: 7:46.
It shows 9:45
